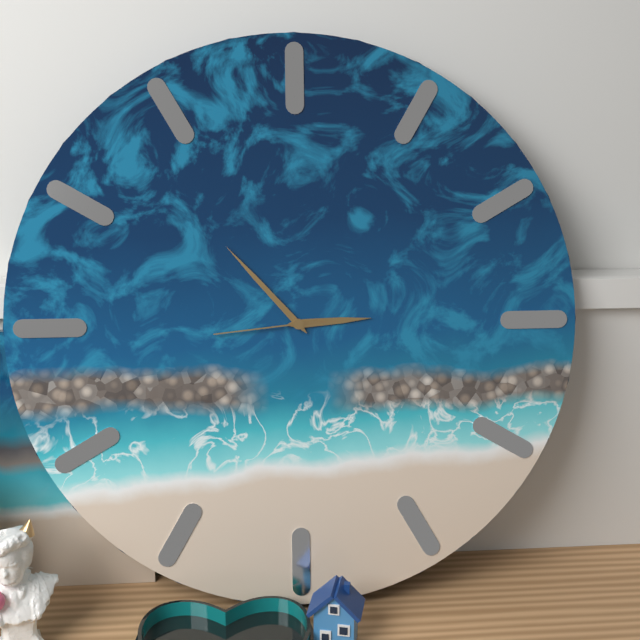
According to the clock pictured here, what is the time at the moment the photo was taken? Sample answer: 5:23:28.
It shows 2:53:44
